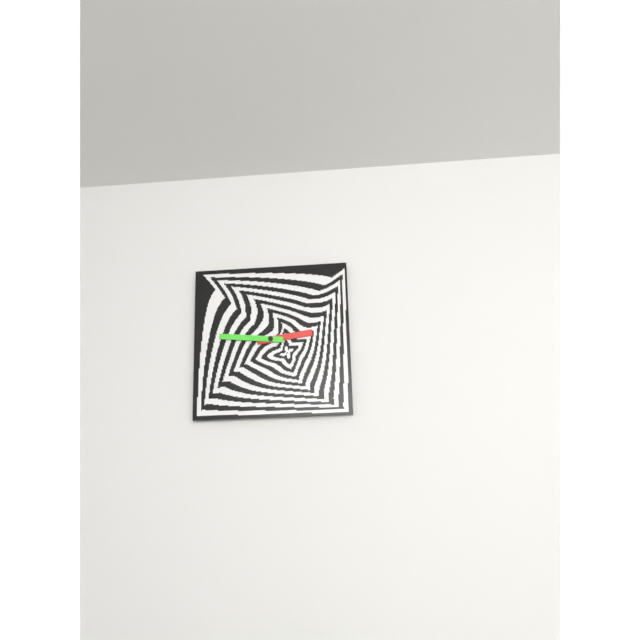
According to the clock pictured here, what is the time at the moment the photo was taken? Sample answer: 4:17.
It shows 2:46
